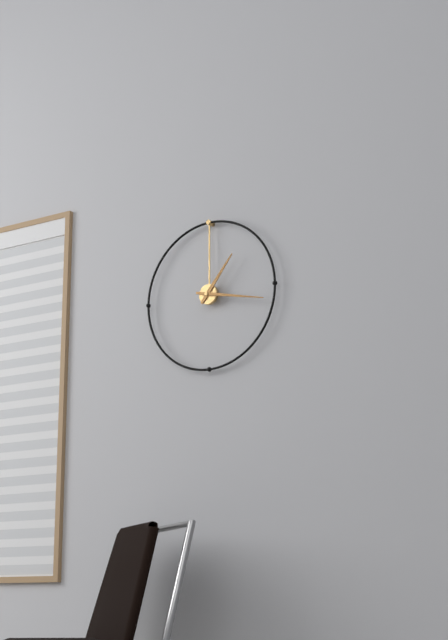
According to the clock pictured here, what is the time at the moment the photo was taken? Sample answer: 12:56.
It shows 1:17
